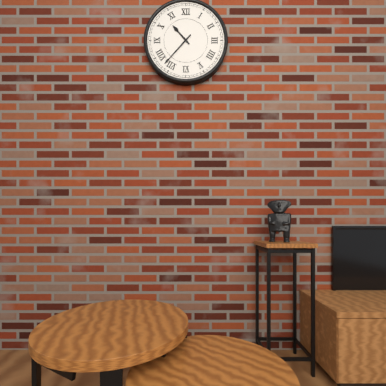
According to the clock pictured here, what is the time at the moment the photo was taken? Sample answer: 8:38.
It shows 10:37
